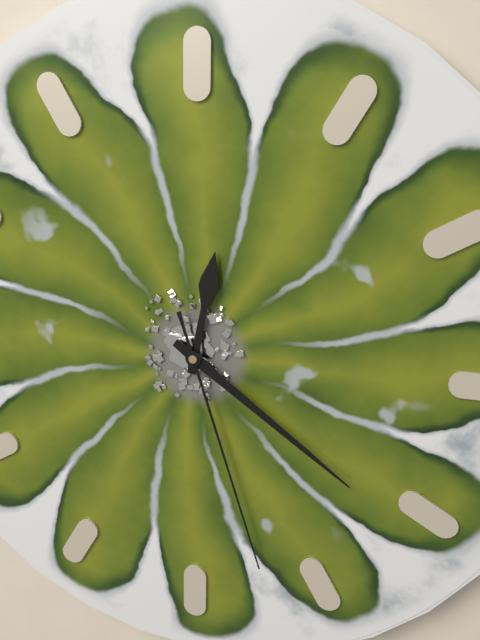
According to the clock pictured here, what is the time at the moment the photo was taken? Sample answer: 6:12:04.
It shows 12:21:27
